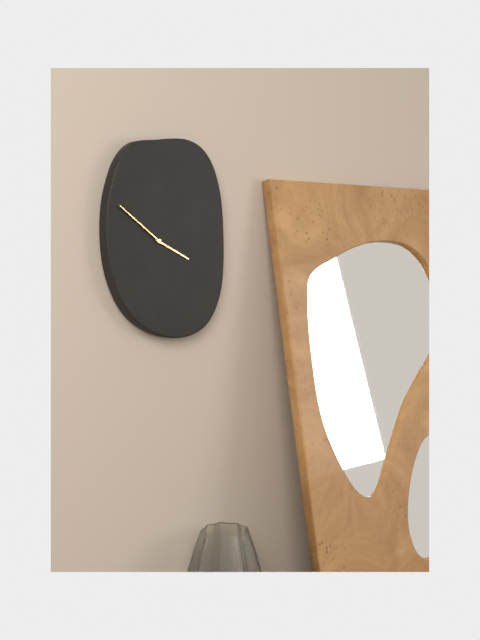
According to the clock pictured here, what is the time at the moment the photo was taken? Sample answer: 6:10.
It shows 3:51
